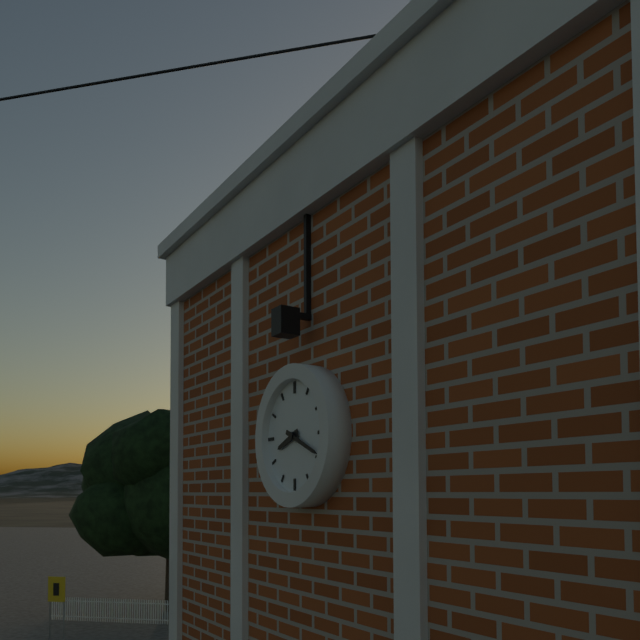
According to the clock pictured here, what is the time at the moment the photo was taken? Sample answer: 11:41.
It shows 8:19
